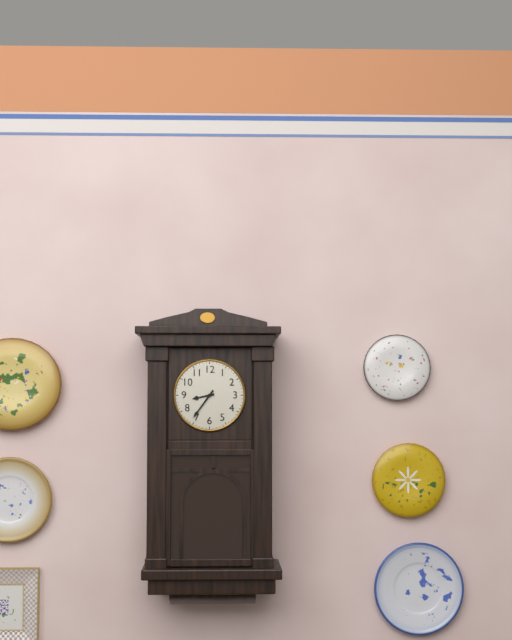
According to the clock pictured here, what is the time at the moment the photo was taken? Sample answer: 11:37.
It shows 8:36
